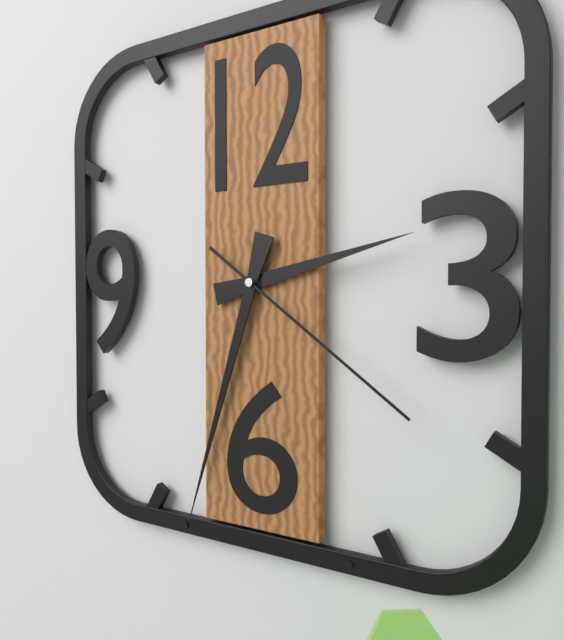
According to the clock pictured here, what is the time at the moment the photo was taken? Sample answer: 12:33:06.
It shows 2:33:21
